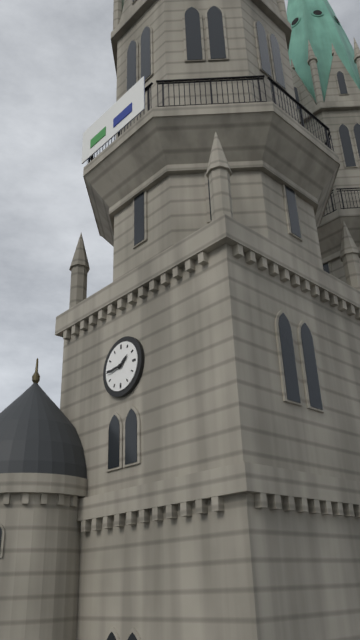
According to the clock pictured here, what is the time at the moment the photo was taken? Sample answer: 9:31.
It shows 1:44
